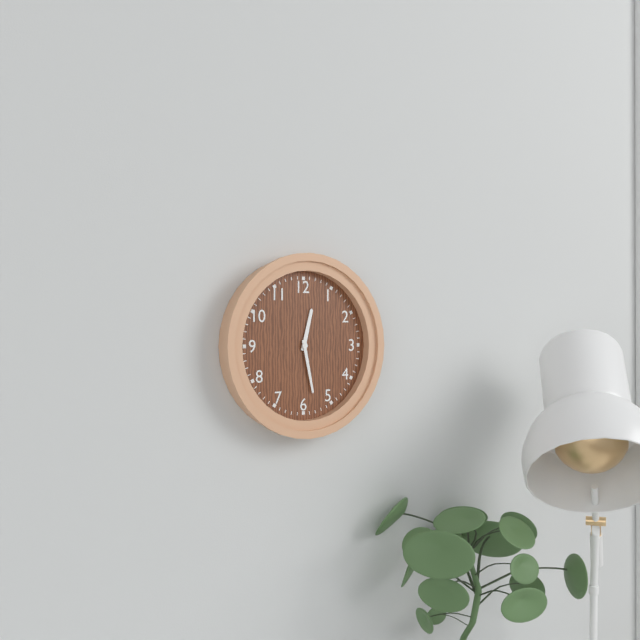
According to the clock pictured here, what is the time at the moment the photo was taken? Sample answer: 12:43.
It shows 12:28
